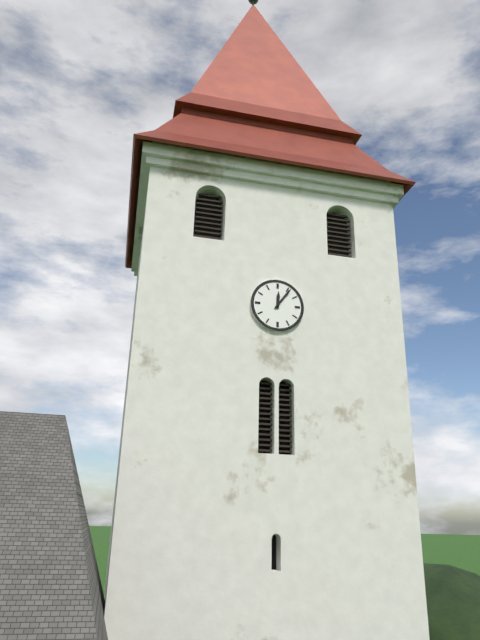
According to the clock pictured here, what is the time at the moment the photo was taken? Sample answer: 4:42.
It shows 12:06
